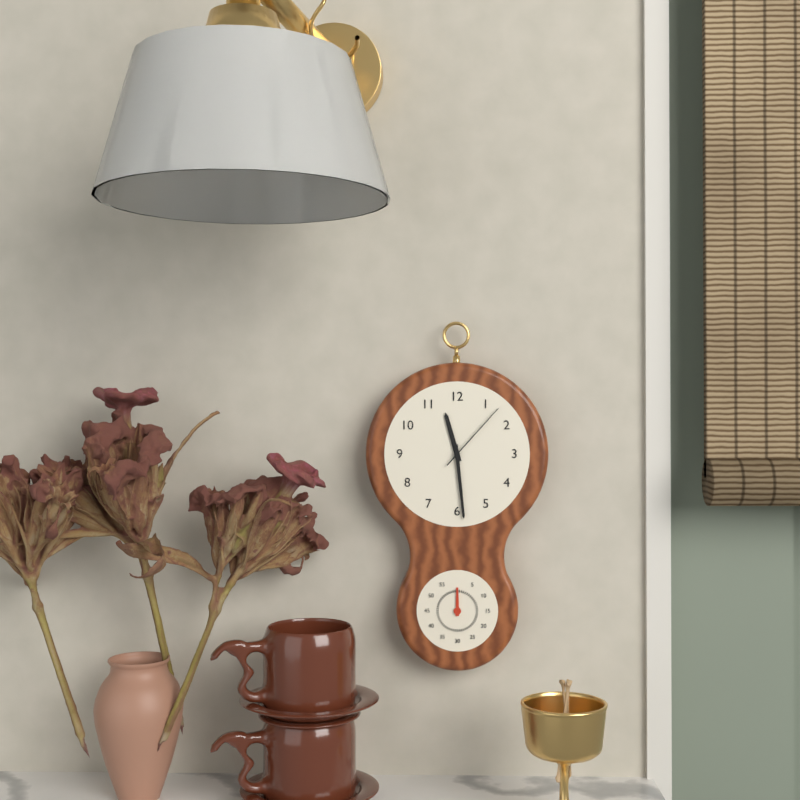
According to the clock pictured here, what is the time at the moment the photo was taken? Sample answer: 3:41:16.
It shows 11:29:07
